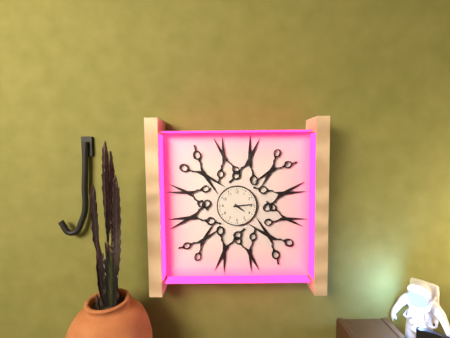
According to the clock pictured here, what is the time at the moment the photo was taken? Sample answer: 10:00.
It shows 4:14
